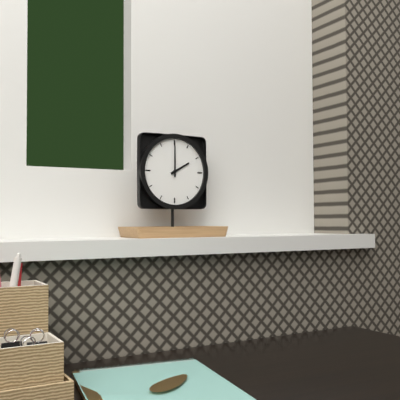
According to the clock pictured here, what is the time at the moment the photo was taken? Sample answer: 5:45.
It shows 2:00
